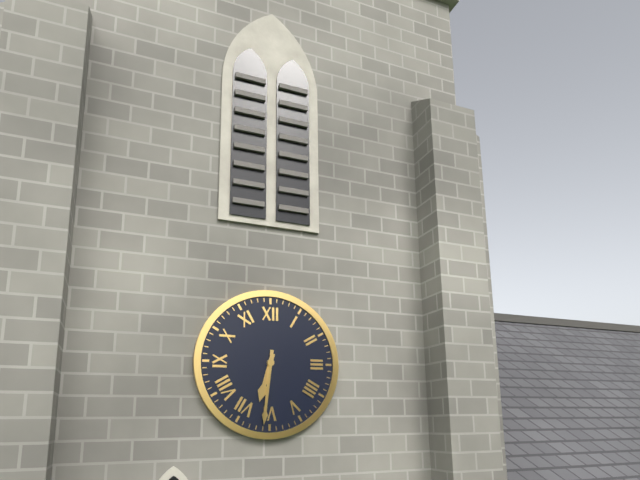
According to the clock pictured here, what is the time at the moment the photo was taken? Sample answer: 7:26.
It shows 6:31
